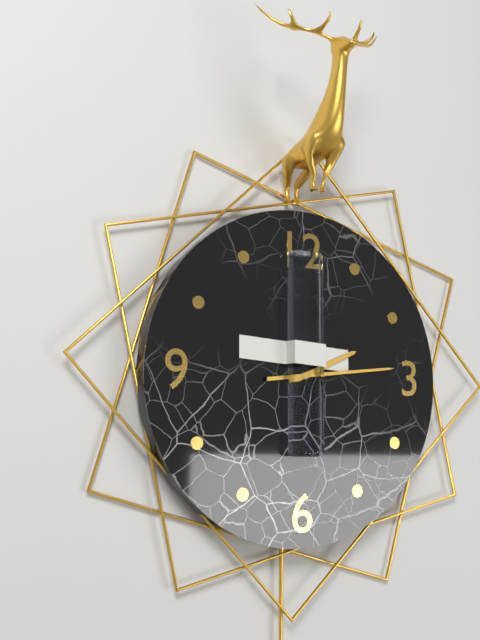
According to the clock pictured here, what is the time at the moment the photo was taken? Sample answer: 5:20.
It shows 2:14
